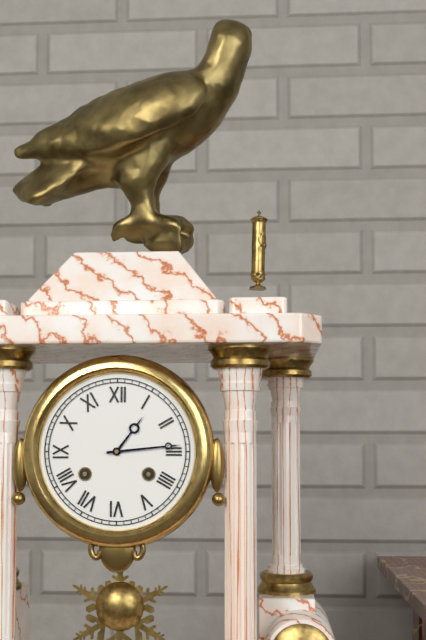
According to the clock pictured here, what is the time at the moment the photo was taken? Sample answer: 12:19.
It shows 1:14
